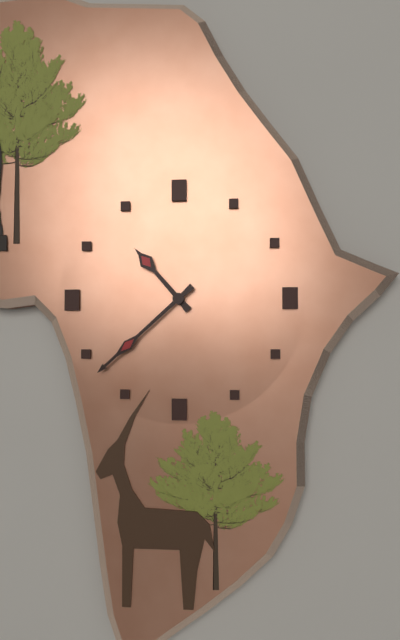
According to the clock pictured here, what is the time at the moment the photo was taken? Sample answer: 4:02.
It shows 10:38
